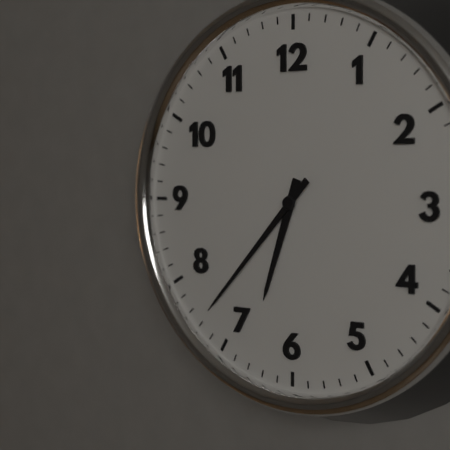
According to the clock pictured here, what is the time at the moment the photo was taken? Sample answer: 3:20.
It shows 6:37
